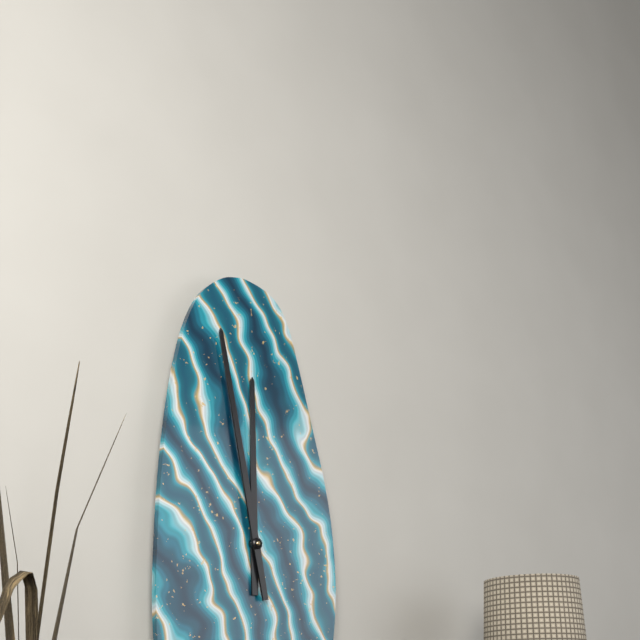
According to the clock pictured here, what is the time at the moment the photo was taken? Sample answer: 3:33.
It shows 11:58
